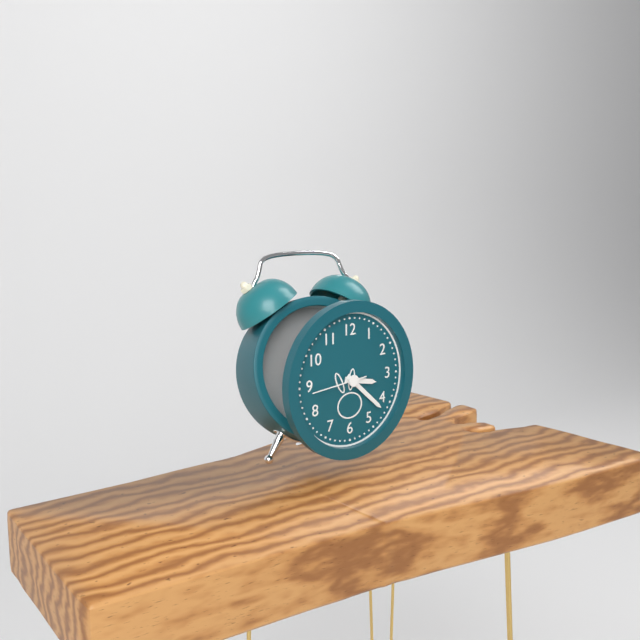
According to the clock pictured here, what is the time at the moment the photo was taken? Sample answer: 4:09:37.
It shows 3:22:44
